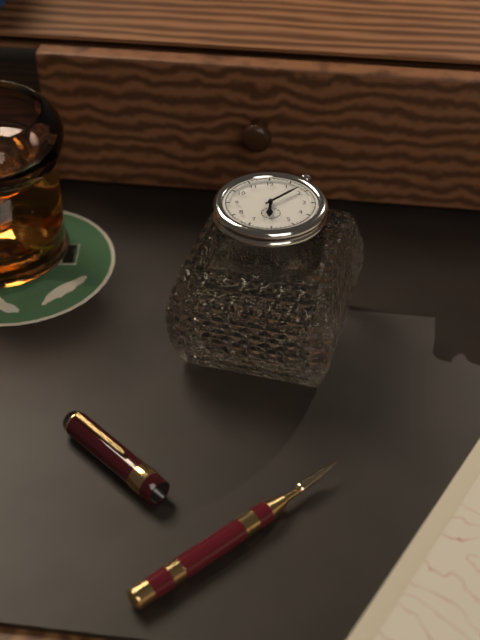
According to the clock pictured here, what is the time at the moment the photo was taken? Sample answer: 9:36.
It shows 6:08
